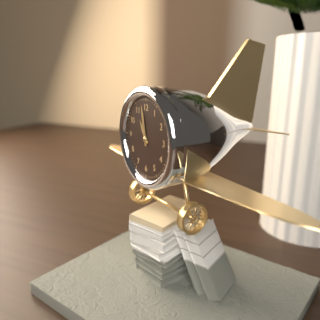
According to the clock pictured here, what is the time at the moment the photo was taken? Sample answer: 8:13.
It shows 10:58
